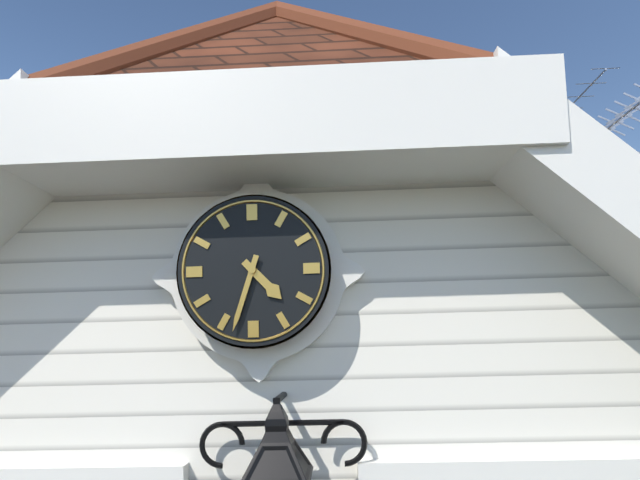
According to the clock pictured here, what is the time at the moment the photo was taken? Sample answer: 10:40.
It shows 4:33
